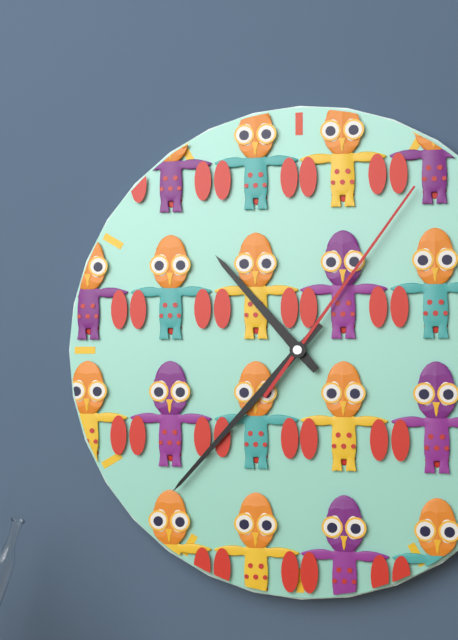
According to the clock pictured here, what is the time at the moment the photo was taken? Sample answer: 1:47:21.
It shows 10:37:06
